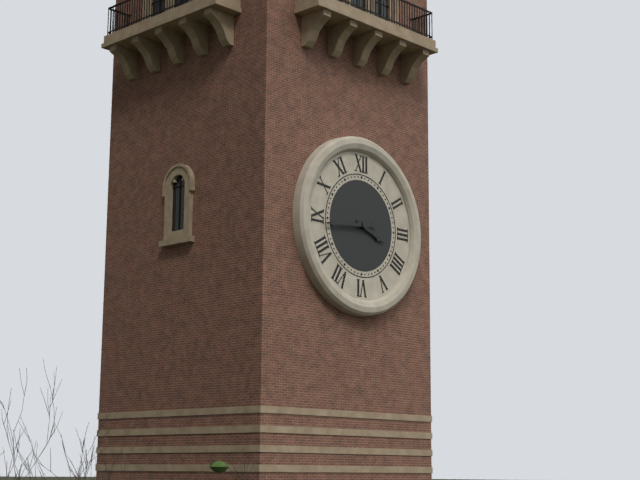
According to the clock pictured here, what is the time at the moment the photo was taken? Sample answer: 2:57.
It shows 3:44
